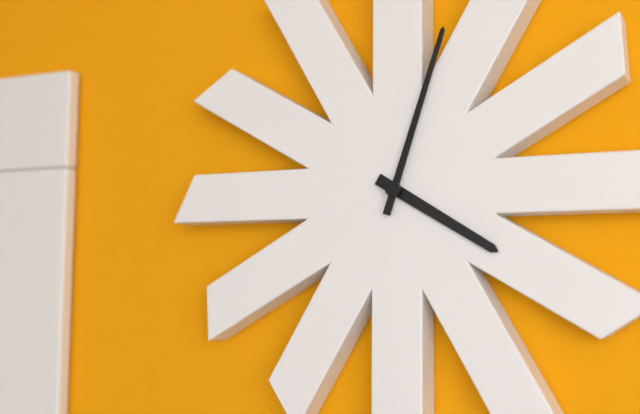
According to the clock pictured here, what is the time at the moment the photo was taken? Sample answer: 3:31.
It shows 4:03
